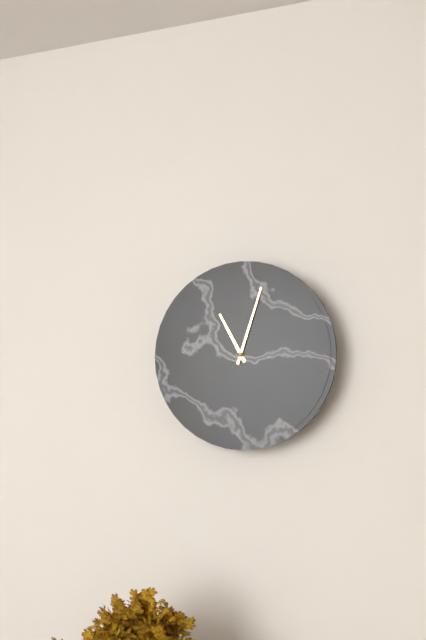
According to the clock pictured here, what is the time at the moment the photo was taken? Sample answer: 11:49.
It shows 11:03
